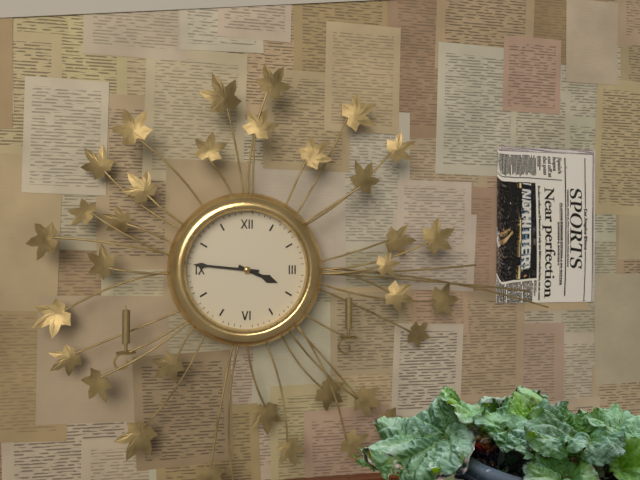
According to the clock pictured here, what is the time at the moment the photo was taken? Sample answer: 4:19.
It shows 3:46
